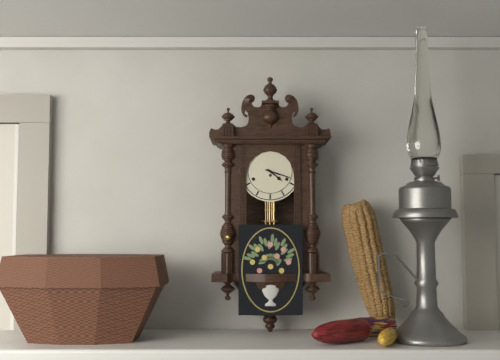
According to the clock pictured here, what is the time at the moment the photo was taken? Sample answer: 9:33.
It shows 4:18
